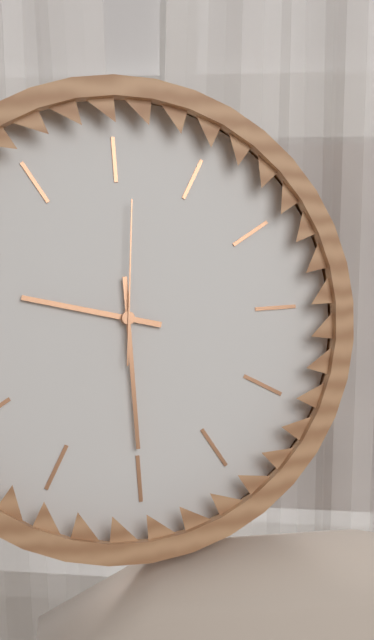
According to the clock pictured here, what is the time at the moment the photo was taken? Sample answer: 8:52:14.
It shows 9:30:01
